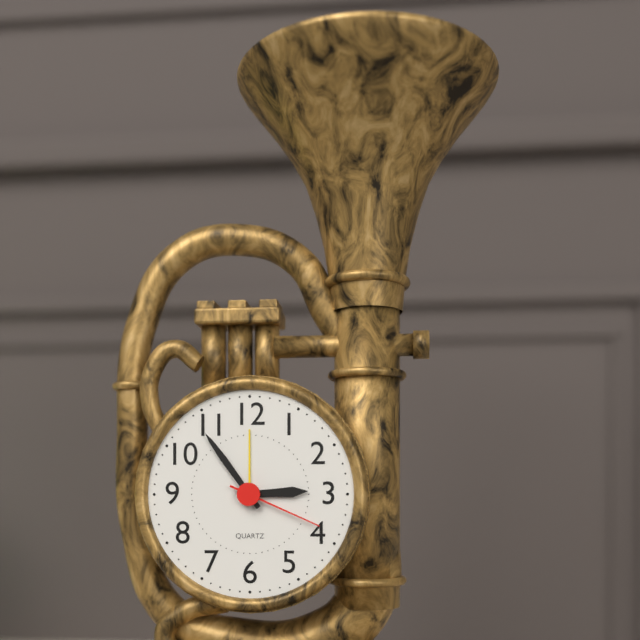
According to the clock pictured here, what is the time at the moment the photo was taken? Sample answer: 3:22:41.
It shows 2:54:19
